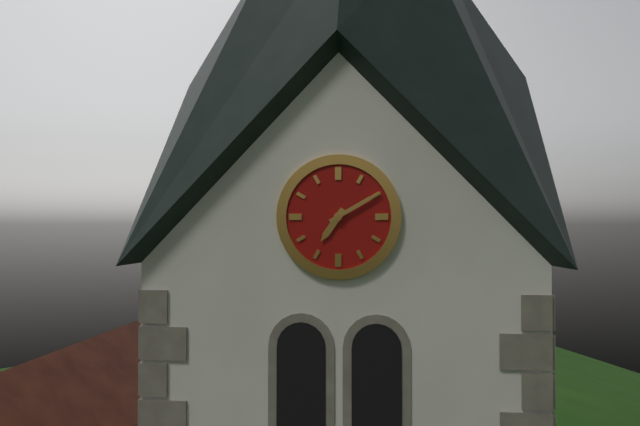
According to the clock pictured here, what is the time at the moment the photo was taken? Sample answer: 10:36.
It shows 7:10
